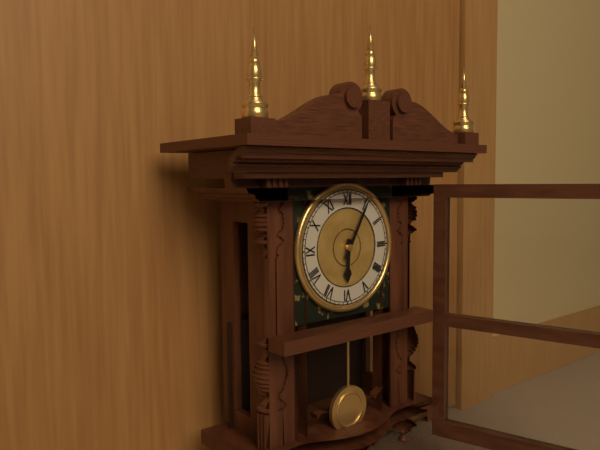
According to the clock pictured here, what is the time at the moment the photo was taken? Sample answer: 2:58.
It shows 6:05
